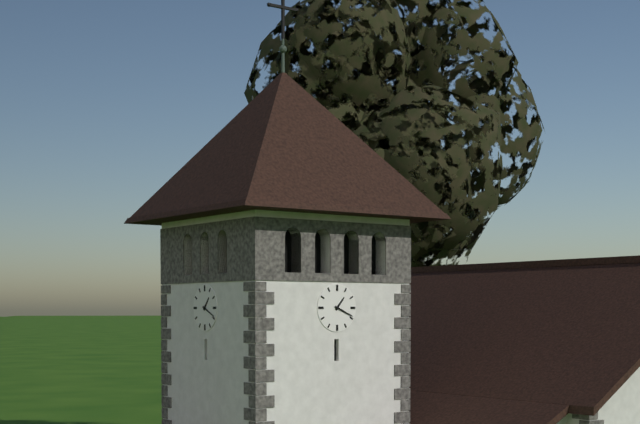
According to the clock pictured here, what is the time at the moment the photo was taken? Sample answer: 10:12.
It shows 1:19
